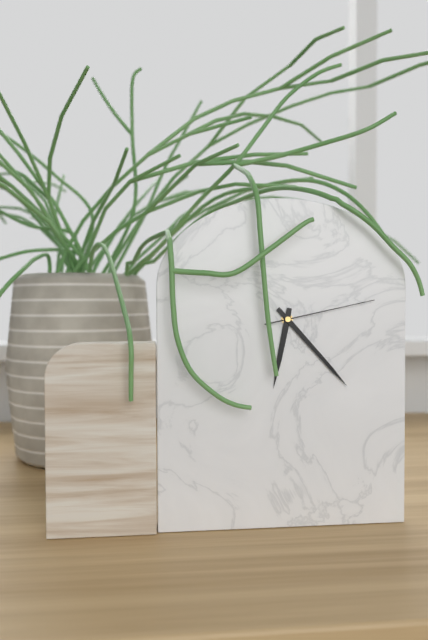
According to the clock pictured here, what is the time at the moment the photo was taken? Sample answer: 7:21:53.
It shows 6:23:13
